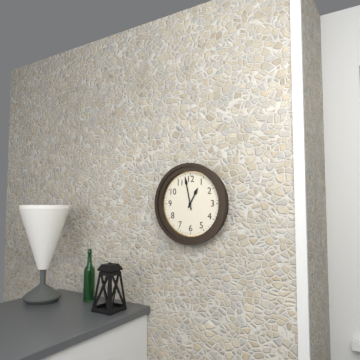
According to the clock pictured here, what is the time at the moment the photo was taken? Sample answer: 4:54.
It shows 12:58
